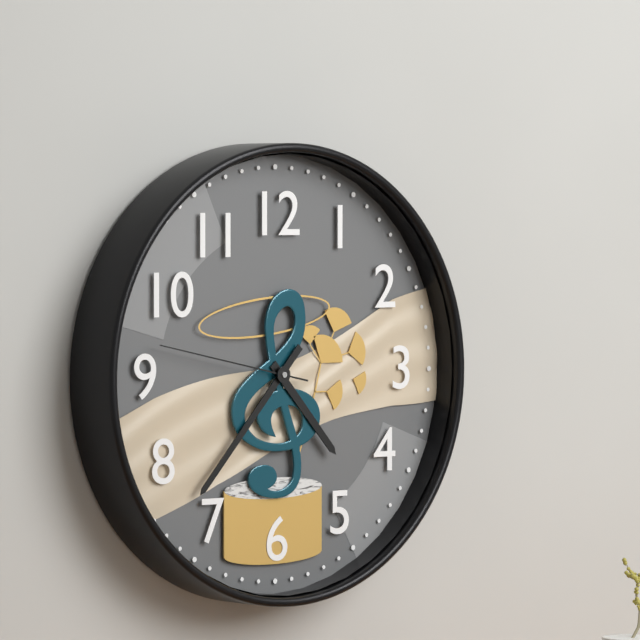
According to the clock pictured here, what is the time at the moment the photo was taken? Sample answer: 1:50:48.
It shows 4:37:47
